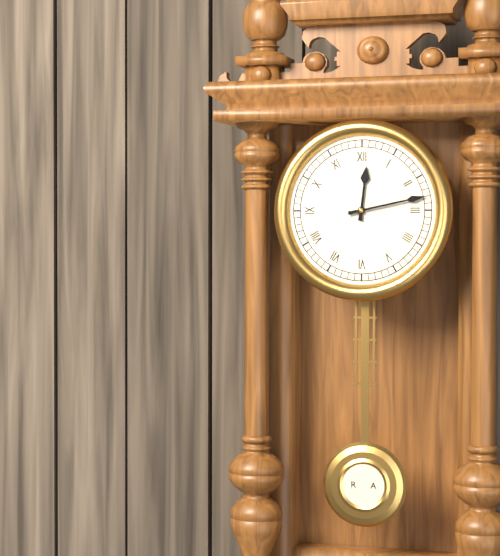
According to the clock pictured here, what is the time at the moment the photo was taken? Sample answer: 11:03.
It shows 12:13
